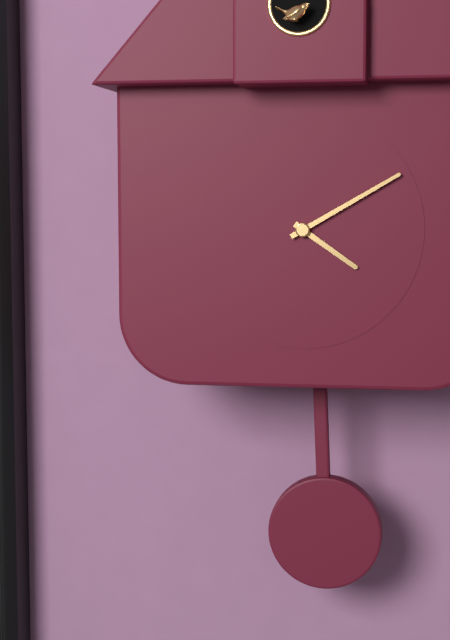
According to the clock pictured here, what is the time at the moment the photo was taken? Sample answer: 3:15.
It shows 4:10
